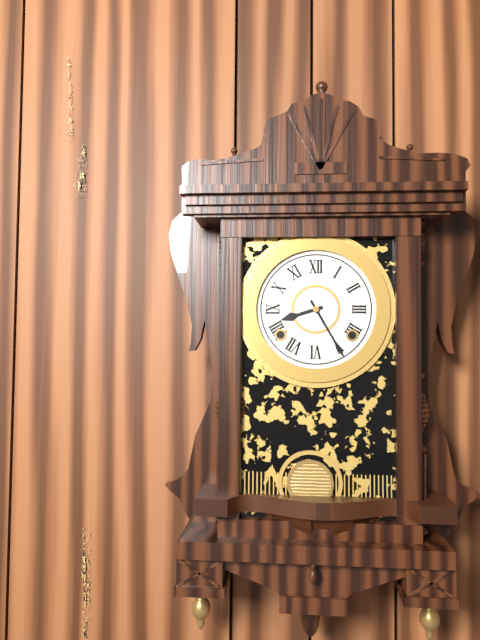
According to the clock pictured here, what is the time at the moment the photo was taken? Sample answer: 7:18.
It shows 8:25
